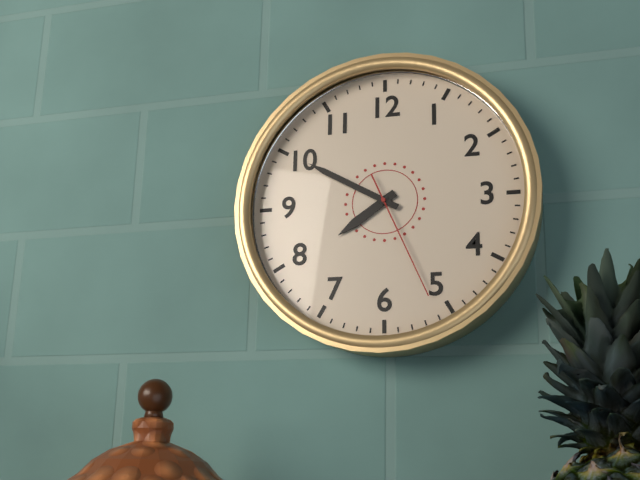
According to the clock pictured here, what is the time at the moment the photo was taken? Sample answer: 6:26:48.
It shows 7:50:26
